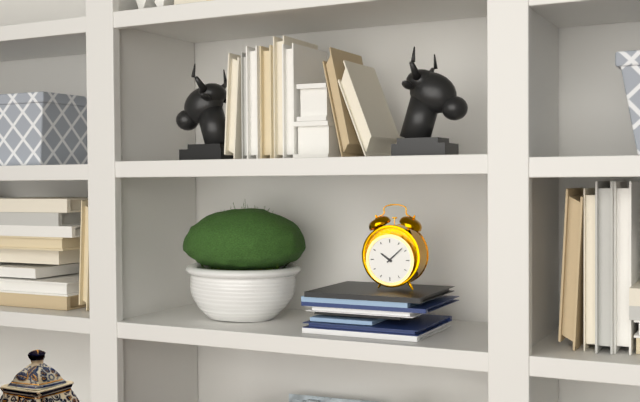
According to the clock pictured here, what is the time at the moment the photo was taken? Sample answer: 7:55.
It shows 10:08
